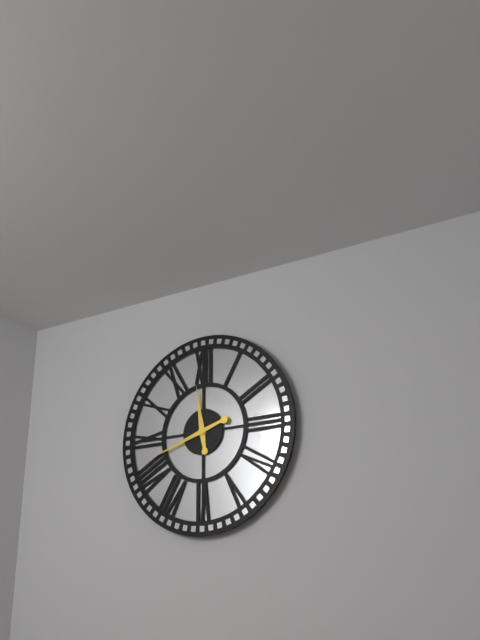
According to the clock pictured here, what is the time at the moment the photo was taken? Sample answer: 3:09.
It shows 11:42
